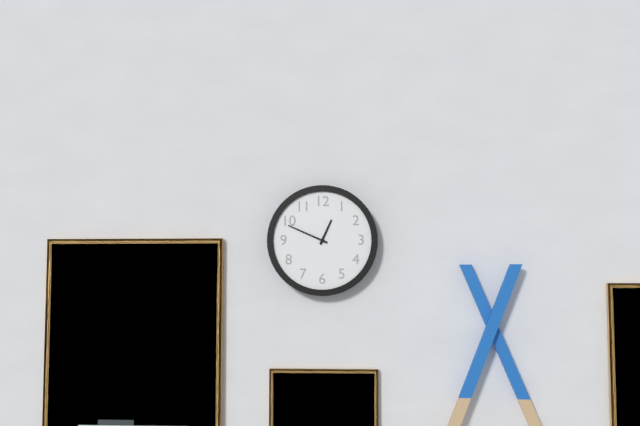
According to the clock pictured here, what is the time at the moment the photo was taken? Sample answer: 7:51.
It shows 12:49
